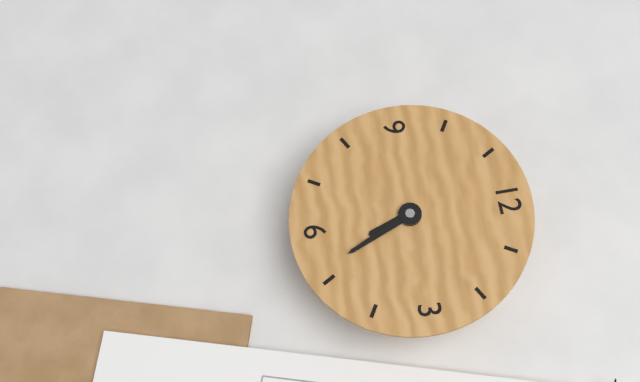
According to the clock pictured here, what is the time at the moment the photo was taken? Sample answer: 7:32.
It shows 5:26
